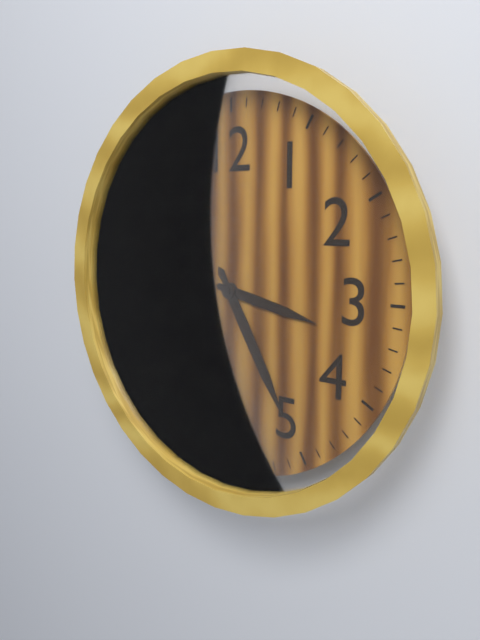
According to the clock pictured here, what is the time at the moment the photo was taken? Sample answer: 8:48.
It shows 3:25
